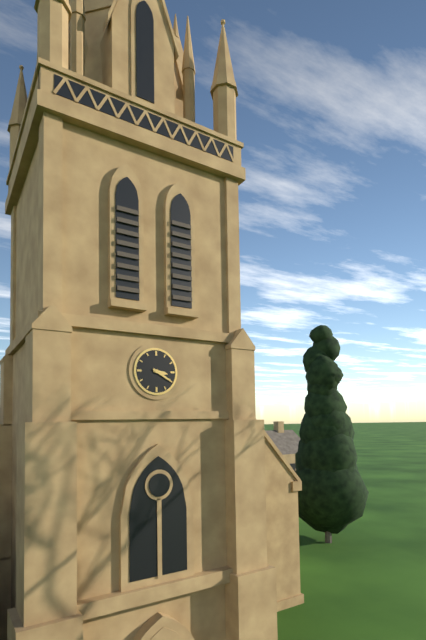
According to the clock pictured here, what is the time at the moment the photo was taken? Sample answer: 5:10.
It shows 3:20
